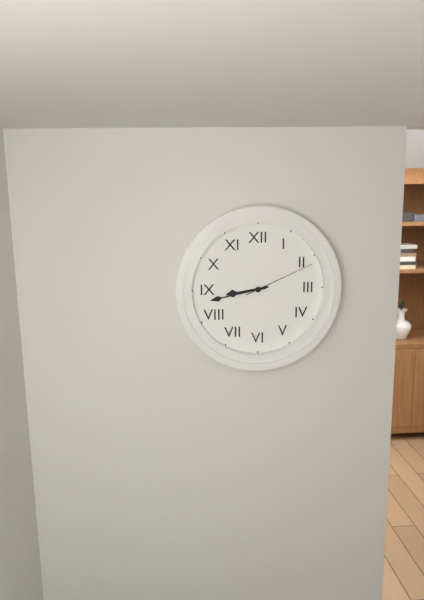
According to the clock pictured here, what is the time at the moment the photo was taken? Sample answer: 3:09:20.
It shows 8:43:11
